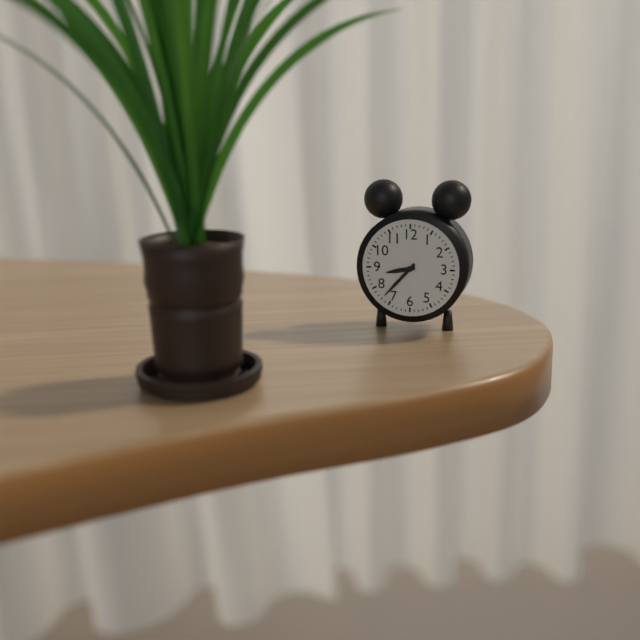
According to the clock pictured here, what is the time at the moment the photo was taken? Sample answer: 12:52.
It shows 8:37
